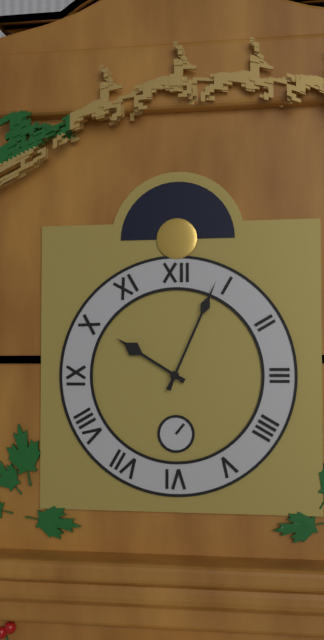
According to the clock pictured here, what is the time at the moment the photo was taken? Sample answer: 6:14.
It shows 10:04
